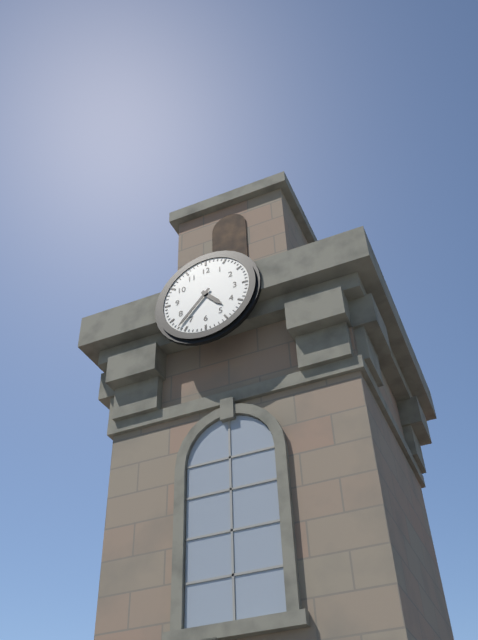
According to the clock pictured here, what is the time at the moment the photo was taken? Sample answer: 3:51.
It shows 4:37
